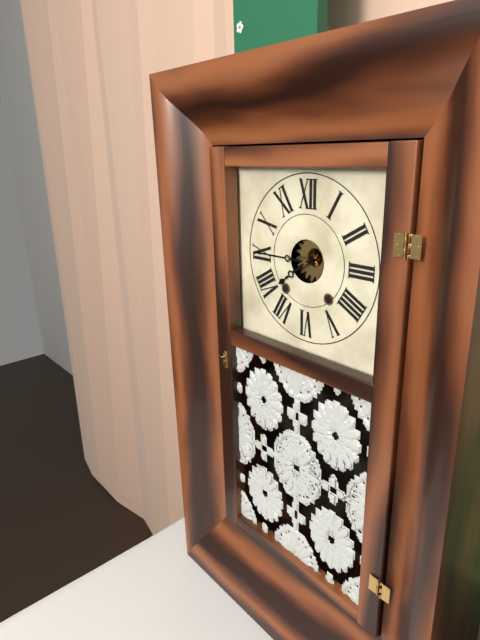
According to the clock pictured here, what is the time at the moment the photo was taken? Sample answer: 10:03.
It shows 7:45
